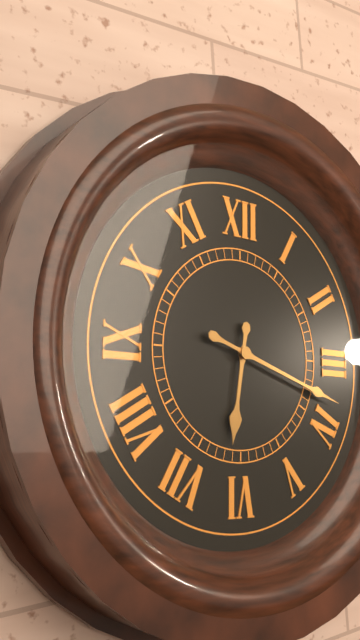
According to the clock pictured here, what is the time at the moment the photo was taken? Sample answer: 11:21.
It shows 6:18
